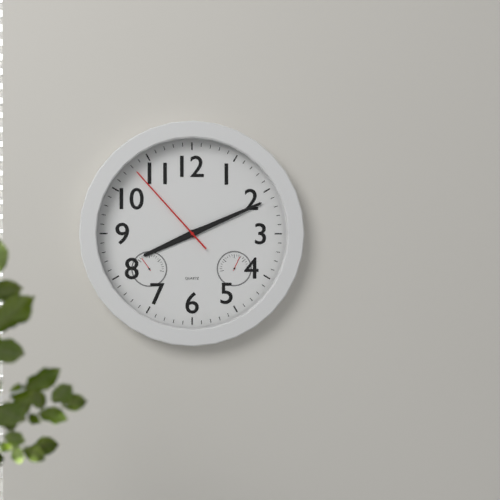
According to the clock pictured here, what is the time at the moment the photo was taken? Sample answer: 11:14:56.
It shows 8:11:53
